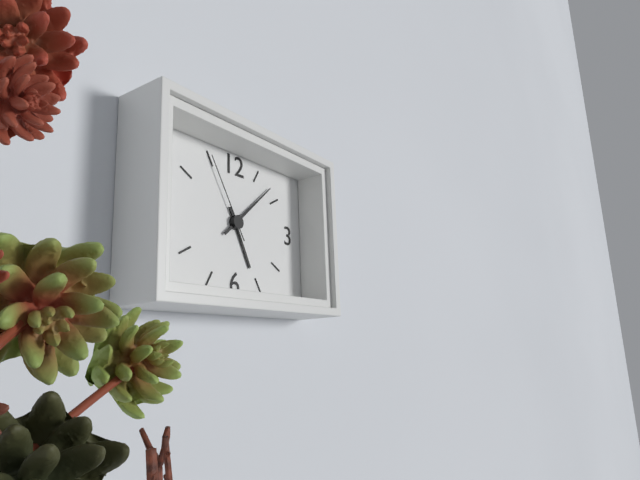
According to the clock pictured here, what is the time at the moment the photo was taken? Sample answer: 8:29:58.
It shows 5:08:55
